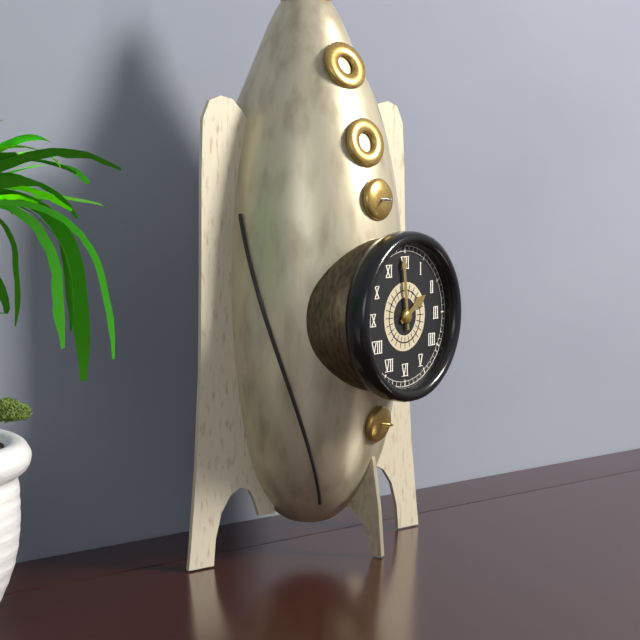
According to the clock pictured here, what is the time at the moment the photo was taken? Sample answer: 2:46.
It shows 1:59
